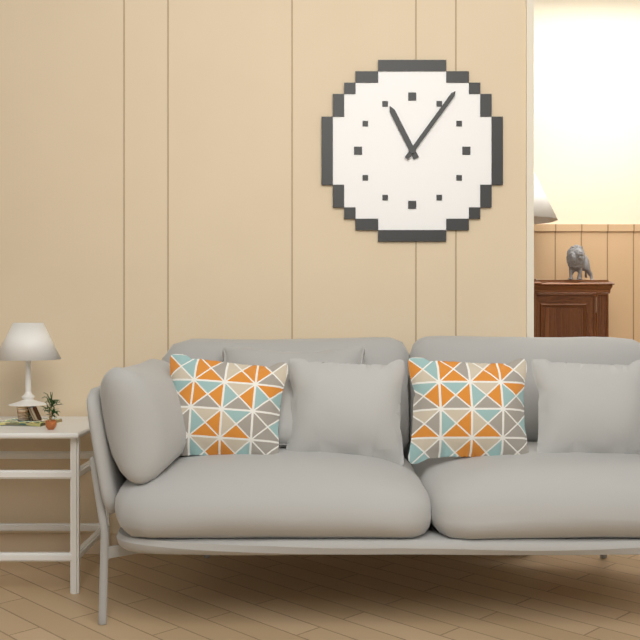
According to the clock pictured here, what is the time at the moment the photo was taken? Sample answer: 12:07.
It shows 11:06
